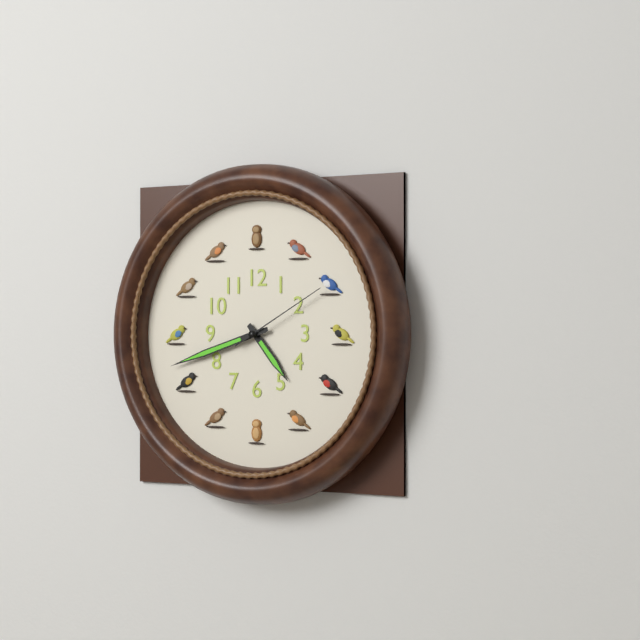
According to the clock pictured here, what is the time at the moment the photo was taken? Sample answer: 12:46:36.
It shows 4:42:10
